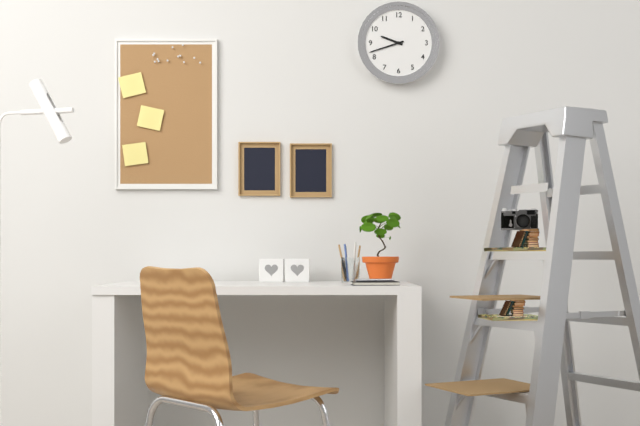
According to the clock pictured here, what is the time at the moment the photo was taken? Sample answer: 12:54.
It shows 9:42
